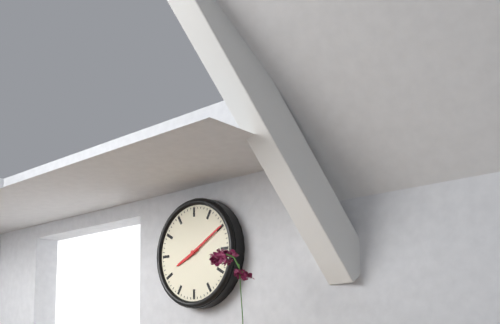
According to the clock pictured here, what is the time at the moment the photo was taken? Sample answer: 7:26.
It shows 8:10
